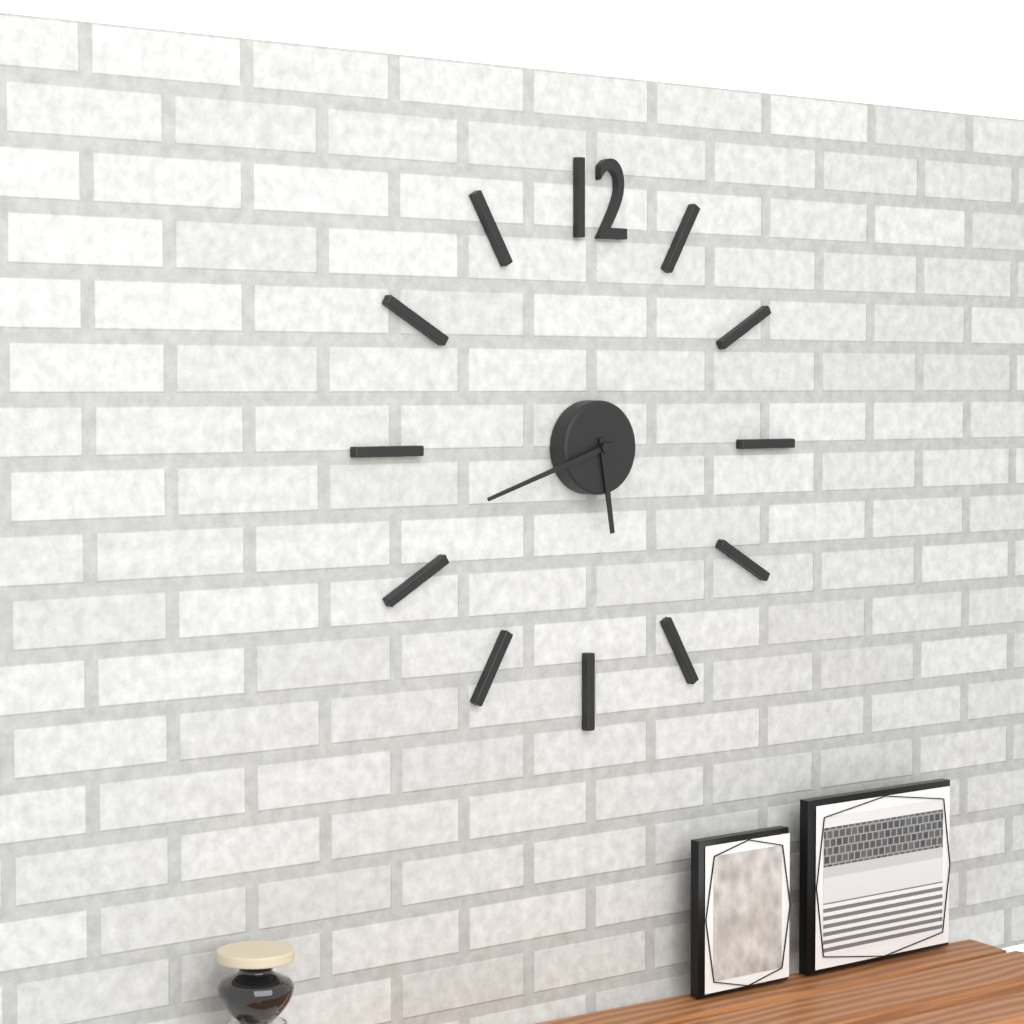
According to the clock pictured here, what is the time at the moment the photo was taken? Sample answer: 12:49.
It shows 5:42
